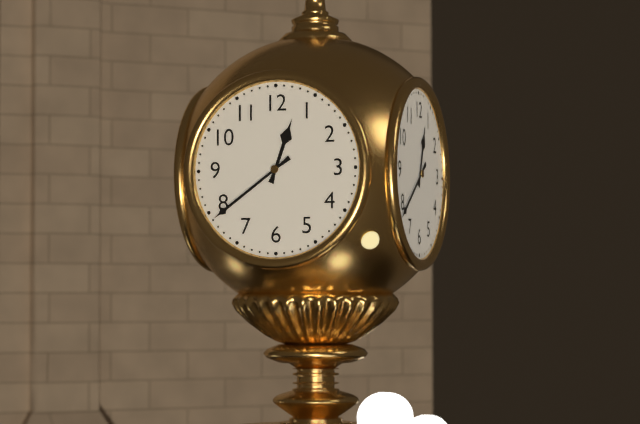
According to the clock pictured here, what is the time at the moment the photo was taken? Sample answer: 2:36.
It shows 12:39
